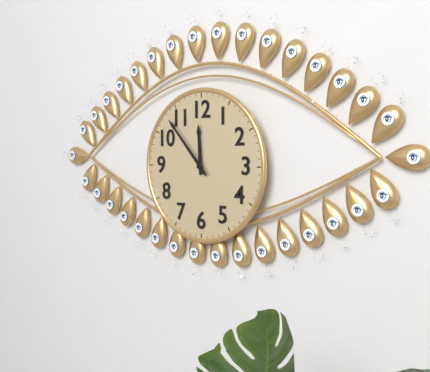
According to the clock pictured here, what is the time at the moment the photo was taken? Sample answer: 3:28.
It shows 11:53
